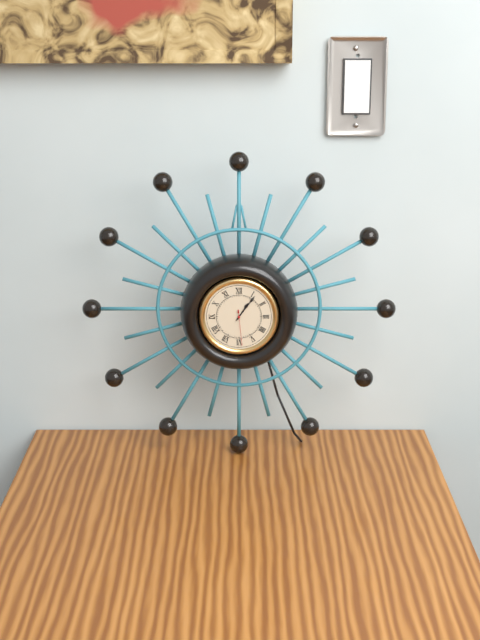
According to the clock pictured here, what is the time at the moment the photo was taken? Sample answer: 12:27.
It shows 1:06
